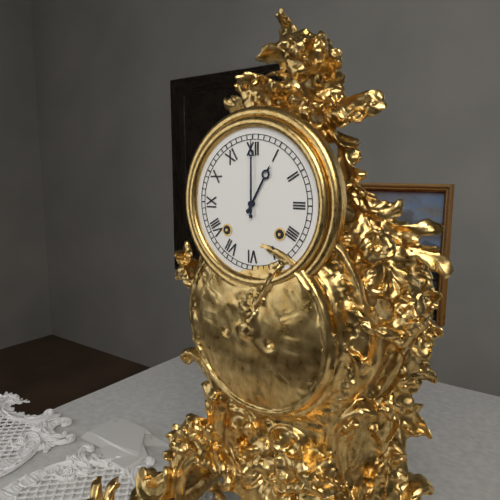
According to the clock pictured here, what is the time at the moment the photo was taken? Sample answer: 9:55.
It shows 1:00
